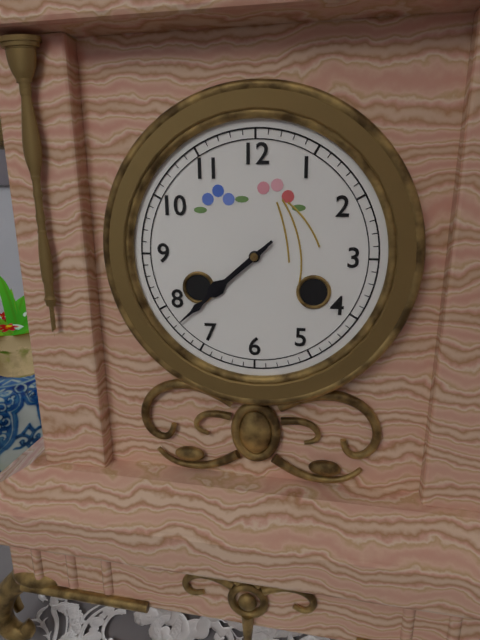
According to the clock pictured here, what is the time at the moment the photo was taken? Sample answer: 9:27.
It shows 7:38
